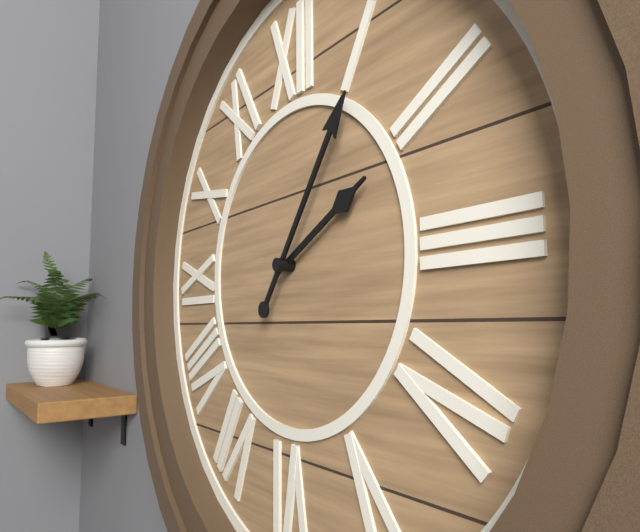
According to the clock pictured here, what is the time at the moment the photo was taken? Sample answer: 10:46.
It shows 2:06
